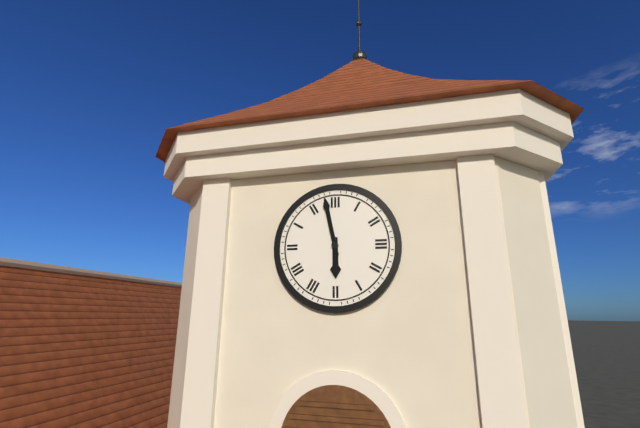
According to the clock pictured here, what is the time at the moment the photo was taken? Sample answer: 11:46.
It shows 5:58
